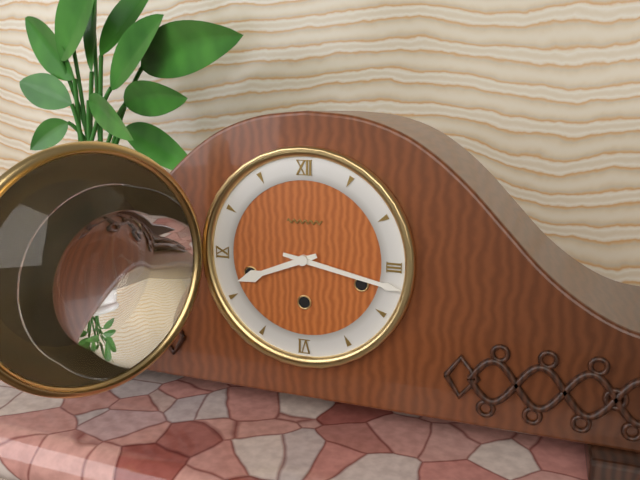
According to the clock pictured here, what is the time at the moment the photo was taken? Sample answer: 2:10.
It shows 8:17
